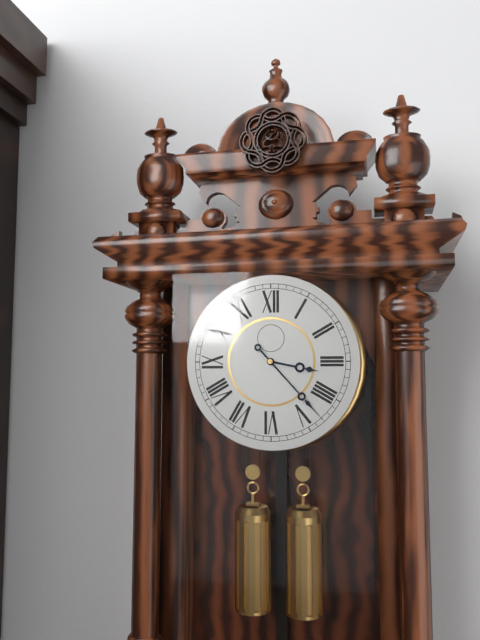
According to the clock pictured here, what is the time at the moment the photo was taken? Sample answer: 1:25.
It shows 3:23
